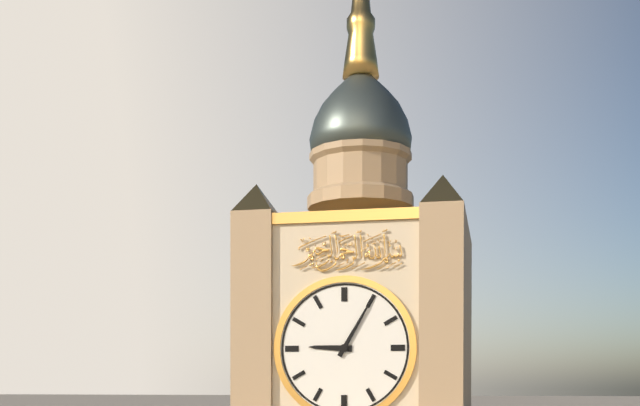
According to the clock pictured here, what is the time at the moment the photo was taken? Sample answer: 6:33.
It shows 9:05
